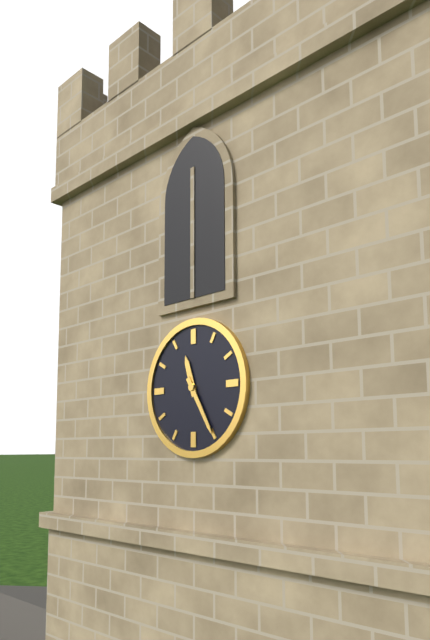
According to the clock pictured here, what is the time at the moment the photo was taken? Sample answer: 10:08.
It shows 11:25
